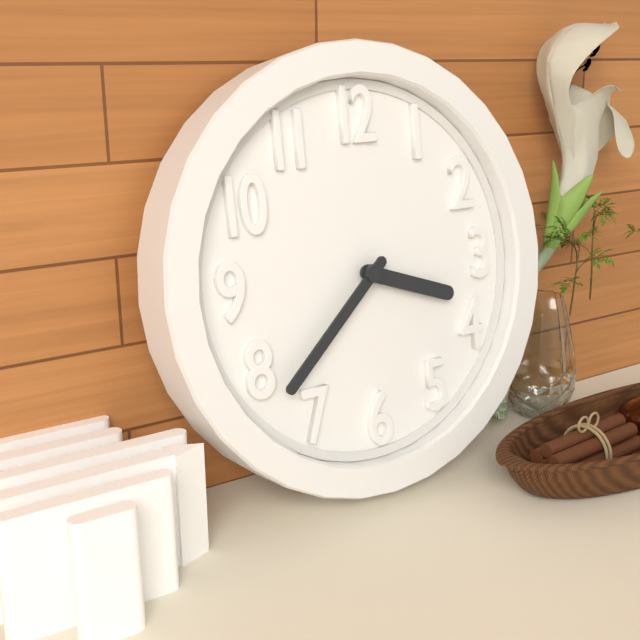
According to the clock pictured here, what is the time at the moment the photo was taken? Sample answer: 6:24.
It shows 3:38
